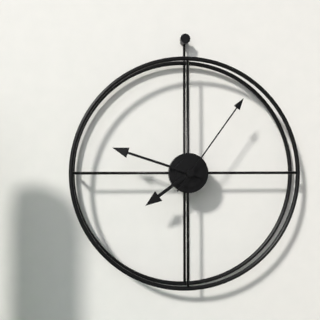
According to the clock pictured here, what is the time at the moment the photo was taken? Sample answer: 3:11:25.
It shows 7:48:06
